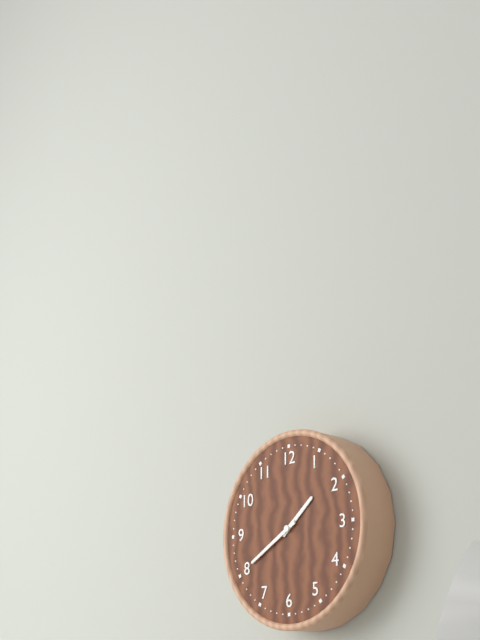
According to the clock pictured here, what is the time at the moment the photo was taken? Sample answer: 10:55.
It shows 1:40
